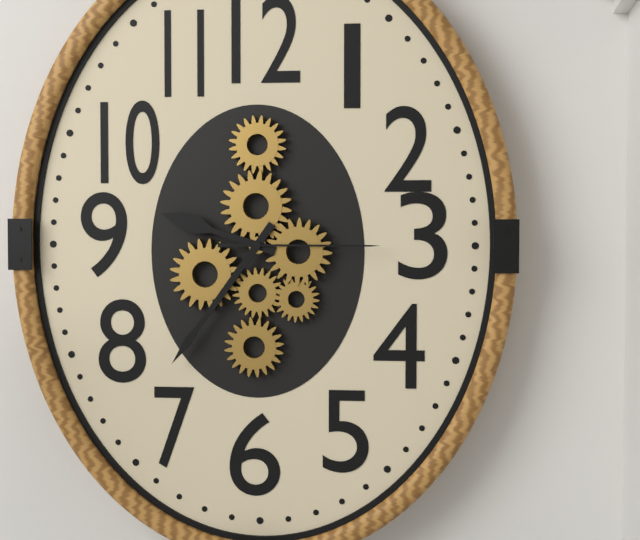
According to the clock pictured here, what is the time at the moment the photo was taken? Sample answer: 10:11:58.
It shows 9:36:15
